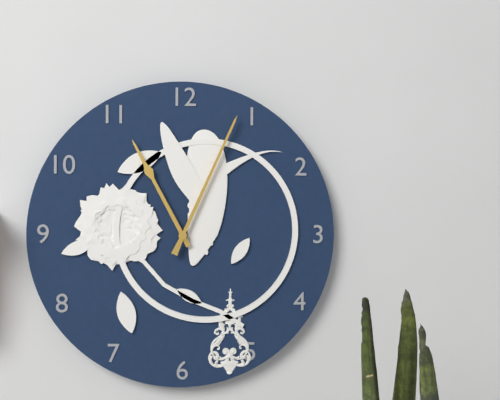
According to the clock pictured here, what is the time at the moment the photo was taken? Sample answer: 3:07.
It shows 11:04
